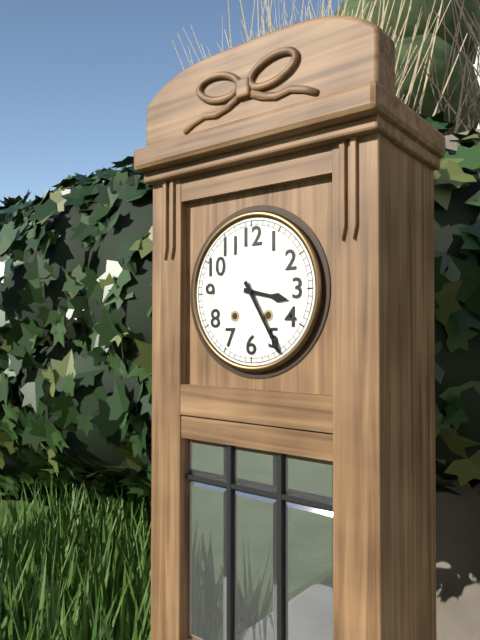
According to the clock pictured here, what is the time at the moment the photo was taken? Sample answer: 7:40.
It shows 3:25
